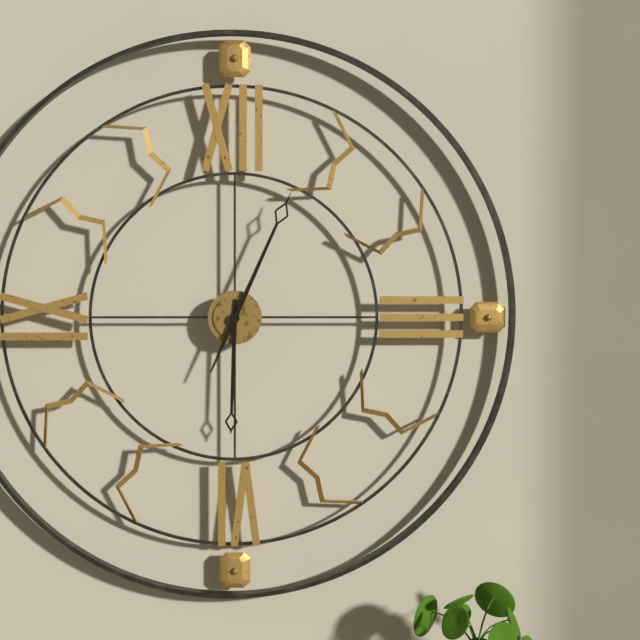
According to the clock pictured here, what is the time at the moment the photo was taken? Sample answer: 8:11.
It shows 6:04
